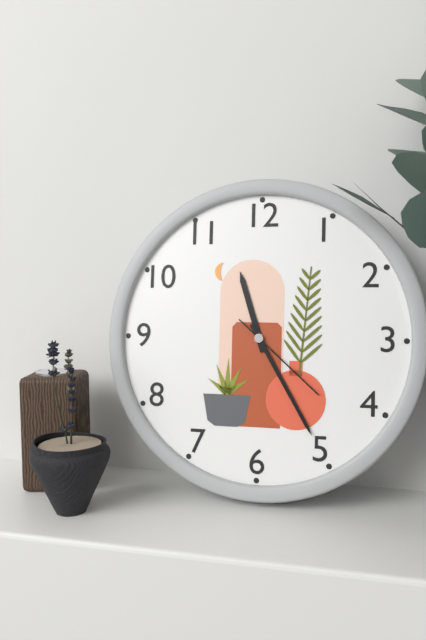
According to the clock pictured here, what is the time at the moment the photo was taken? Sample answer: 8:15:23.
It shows 11:25:22
